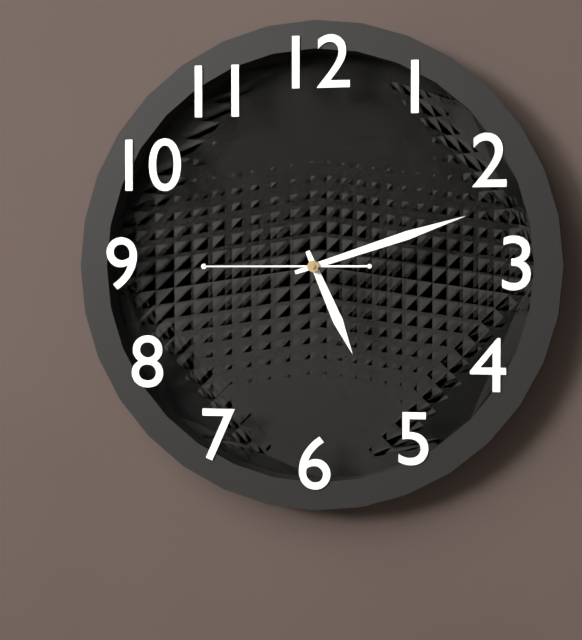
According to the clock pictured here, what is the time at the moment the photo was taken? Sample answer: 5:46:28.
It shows 5:12:45
